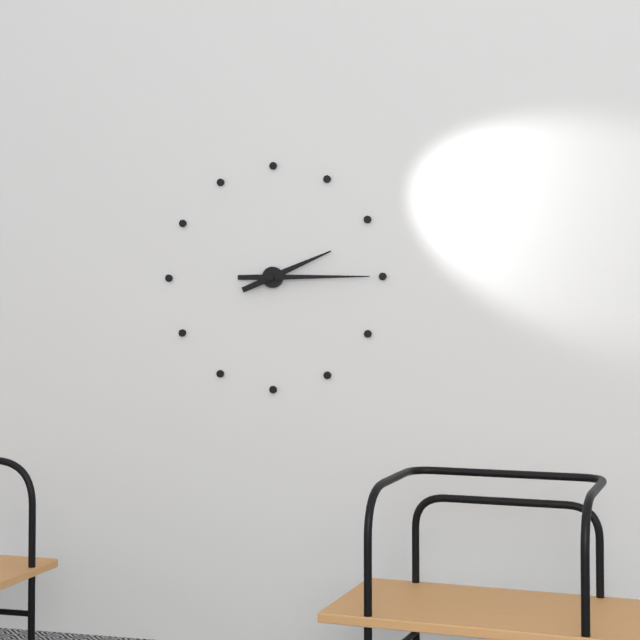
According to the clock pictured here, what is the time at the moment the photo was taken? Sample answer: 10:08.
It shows 2:15
